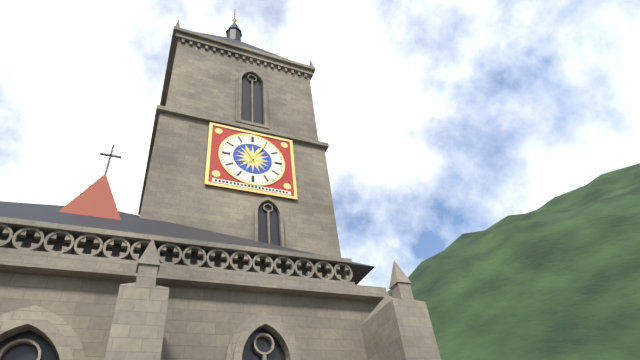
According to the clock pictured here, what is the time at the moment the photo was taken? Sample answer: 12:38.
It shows 11:05
